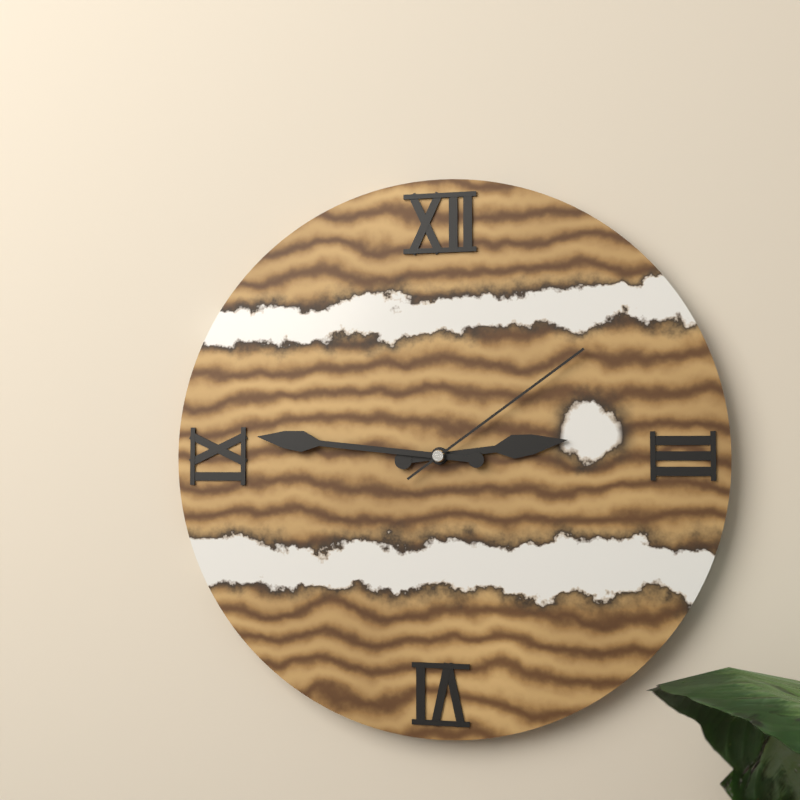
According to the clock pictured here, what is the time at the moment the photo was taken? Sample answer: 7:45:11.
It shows 2:46:09
